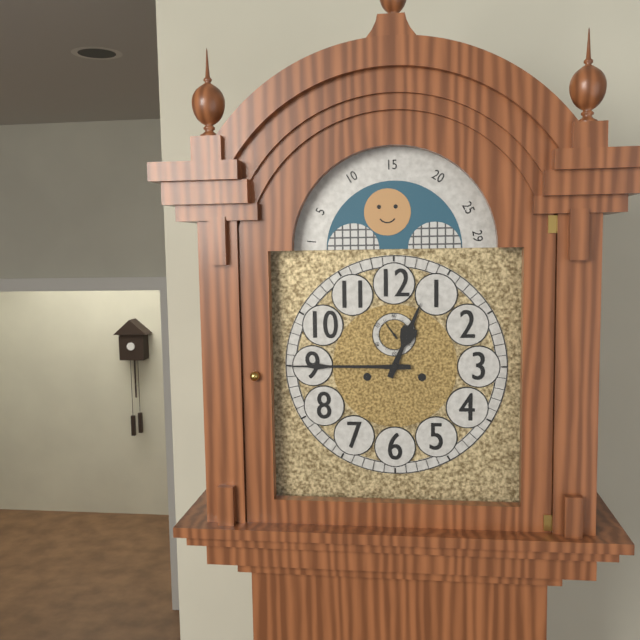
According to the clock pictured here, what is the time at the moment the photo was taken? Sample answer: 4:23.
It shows 12:45
